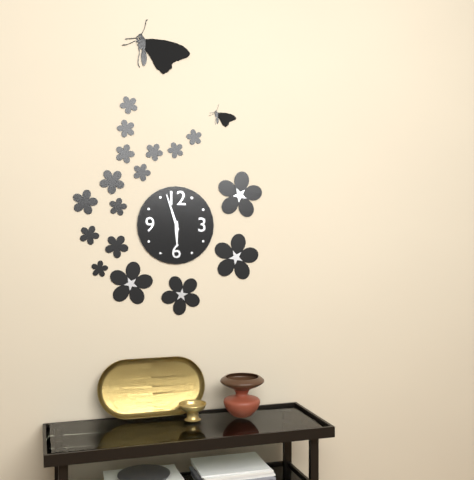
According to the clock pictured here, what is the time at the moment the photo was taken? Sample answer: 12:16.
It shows 5:57
